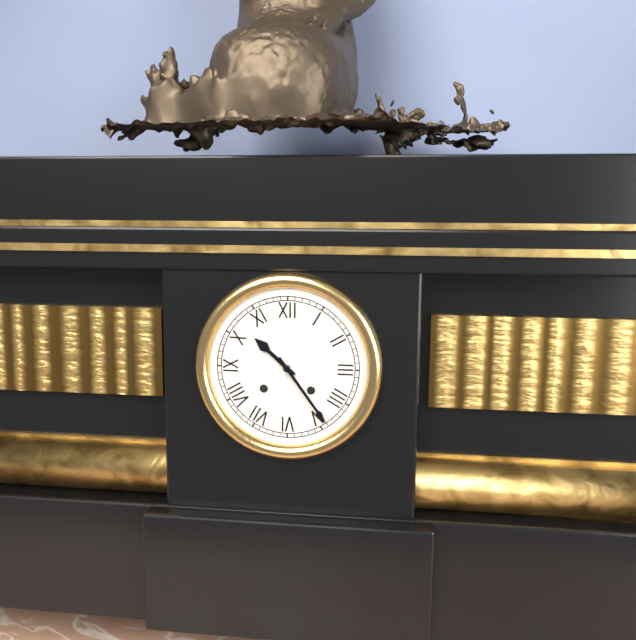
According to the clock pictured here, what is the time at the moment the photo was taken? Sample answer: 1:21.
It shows 10:24
